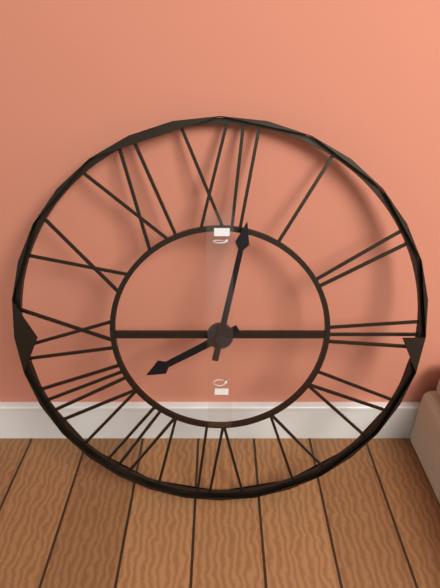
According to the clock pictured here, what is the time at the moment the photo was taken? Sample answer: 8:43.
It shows 8:02
